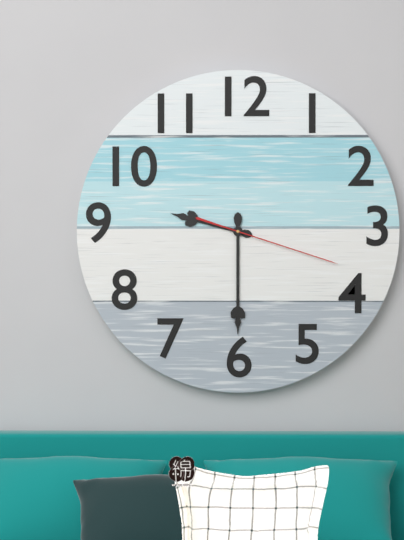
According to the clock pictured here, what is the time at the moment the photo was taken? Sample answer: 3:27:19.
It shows 9:30:18
